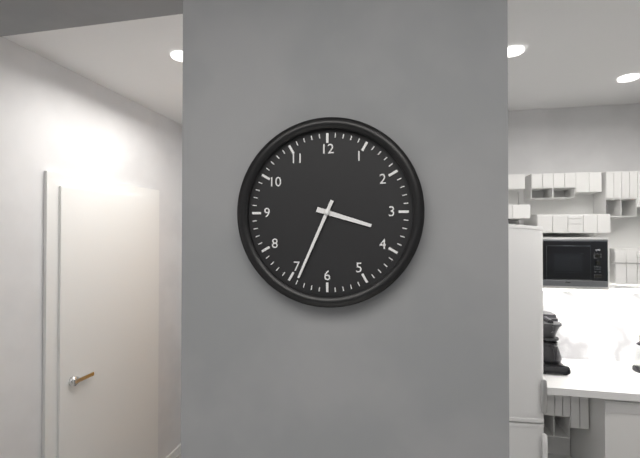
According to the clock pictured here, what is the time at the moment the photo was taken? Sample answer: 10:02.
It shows 3:34
